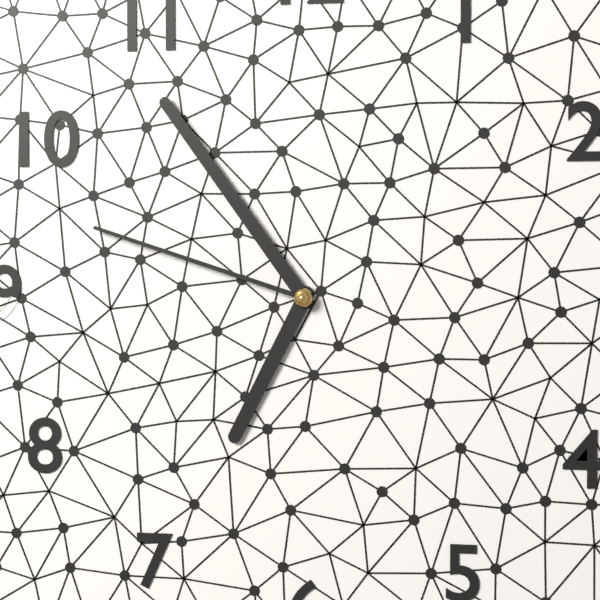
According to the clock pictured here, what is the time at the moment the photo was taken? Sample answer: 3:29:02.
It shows 6:54:48
